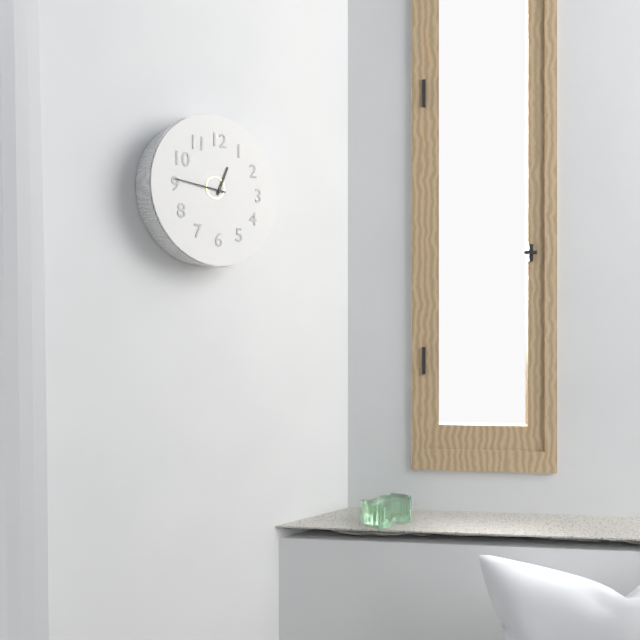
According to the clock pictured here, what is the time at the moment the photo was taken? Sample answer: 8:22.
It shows 12:46
